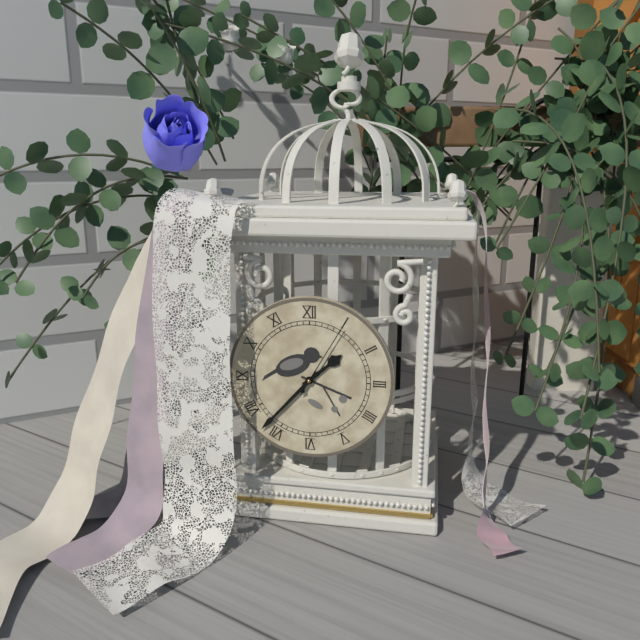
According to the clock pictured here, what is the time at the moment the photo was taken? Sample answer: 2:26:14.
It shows 1:37:05
